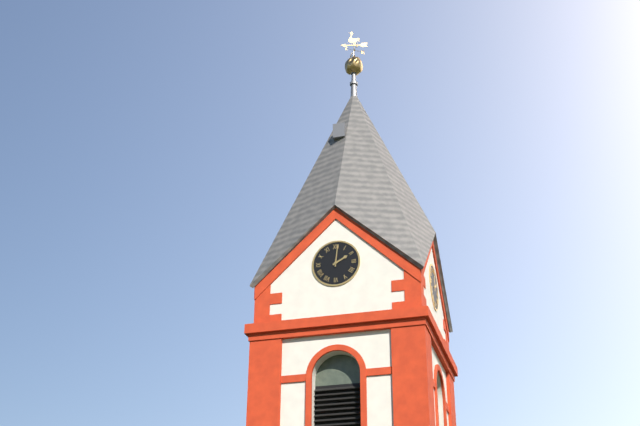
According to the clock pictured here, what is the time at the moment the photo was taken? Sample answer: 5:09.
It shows 2:01
